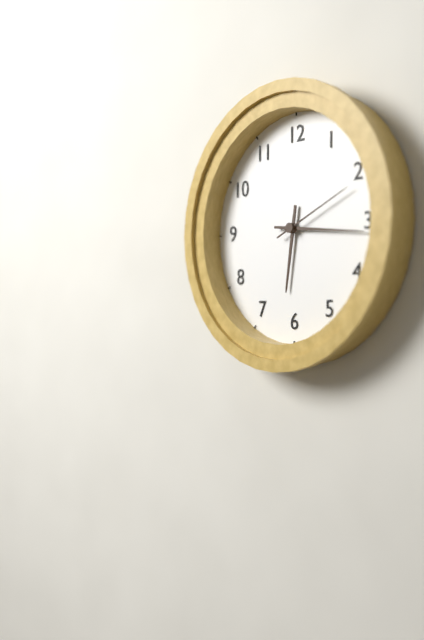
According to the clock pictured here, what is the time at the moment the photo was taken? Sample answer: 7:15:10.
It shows 6:16:11
